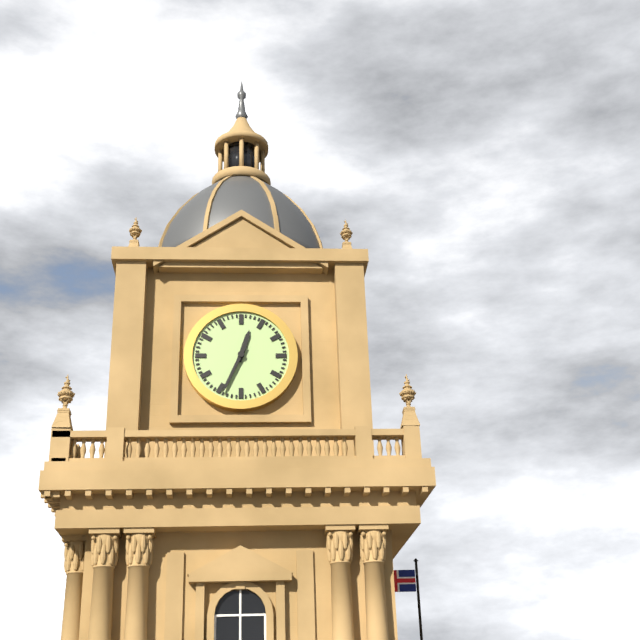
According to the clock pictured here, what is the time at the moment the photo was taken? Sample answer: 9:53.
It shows 12:34
